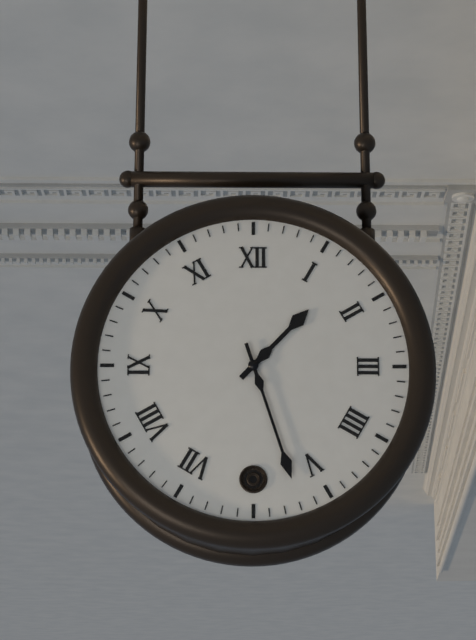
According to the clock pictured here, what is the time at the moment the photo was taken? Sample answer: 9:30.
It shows 1:27
